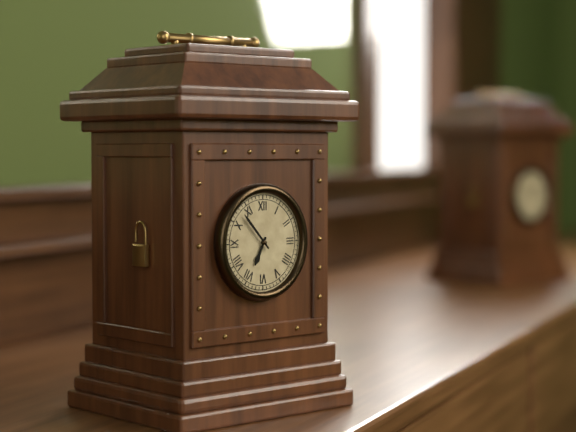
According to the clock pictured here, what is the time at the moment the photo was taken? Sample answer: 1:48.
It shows 6:53
